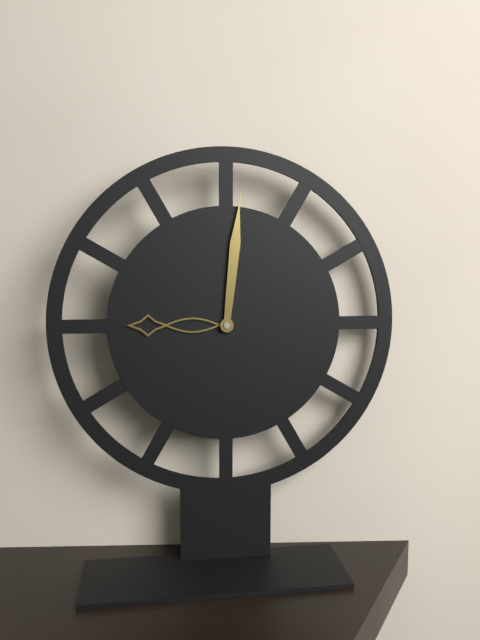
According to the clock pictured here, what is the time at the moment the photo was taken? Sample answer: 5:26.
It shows 9:01
